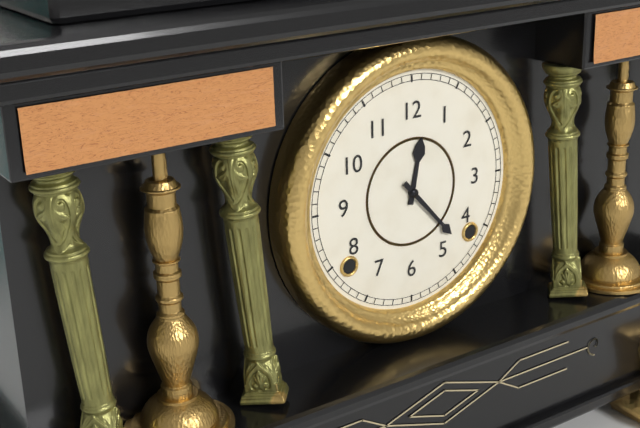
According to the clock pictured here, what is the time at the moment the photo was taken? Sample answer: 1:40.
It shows 12:23
